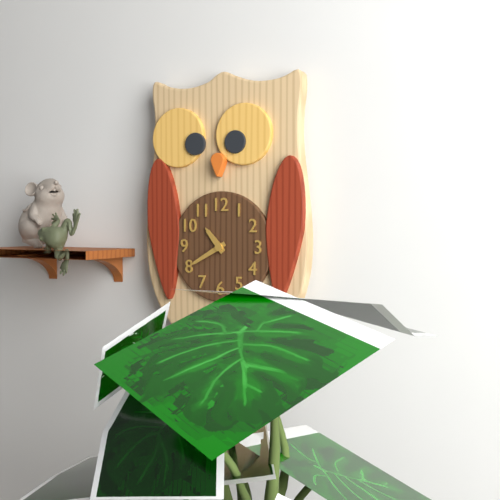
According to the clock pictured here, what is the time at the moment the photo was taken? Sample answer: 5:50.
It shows 10:40
